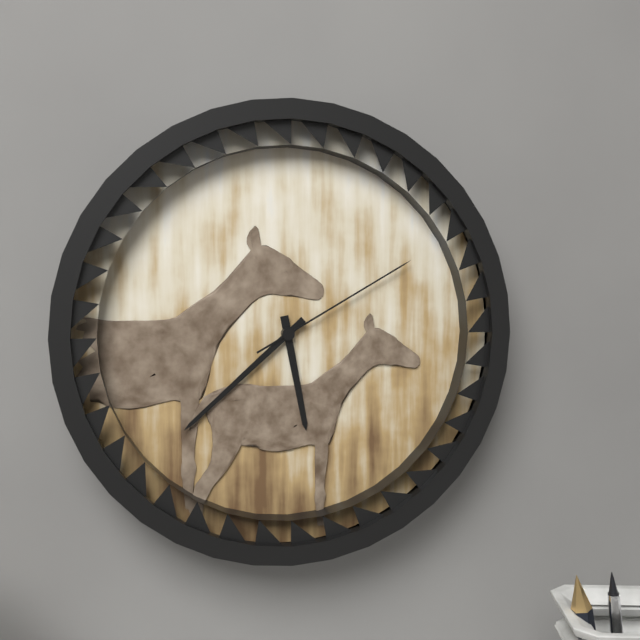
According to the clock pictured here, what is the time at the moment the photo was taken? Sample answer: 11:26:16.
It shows 5:38:10
